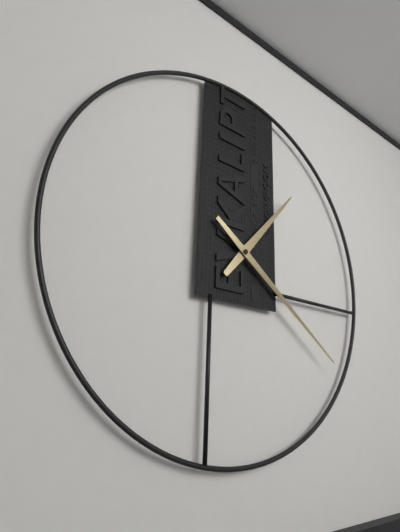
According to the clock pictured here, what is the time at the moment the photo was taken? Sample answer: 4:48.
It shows 1:21
